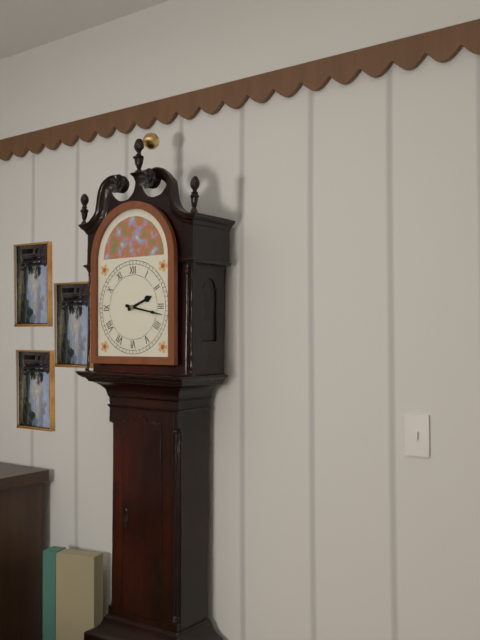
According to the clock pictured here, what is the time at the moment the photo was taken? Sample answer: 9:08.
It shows 2:17
